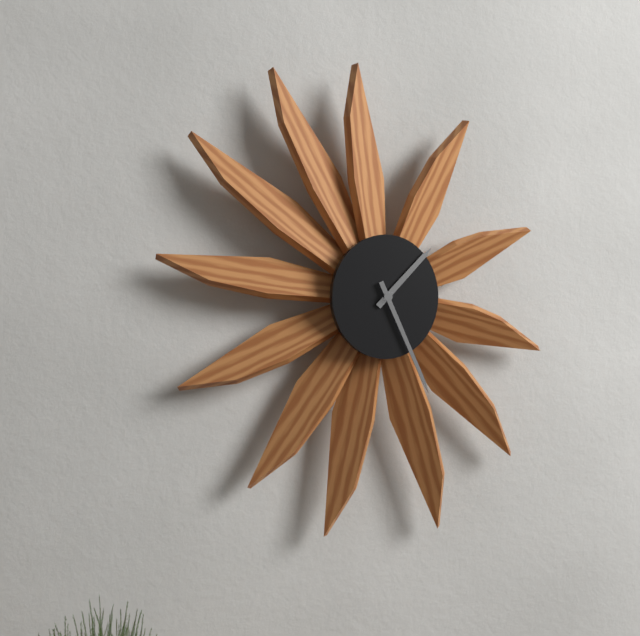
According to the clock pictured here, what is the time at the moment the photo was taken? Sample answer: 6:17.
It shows 1:26
